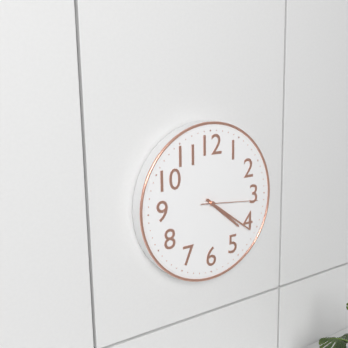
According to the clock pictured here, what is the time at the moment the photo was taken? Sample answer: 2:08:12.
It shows 4:21:16
